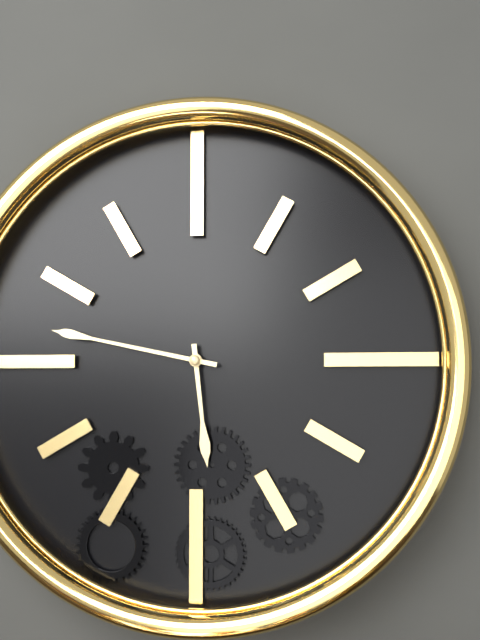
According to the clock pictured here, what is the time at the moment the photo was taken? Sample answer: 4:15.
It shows 5:47
